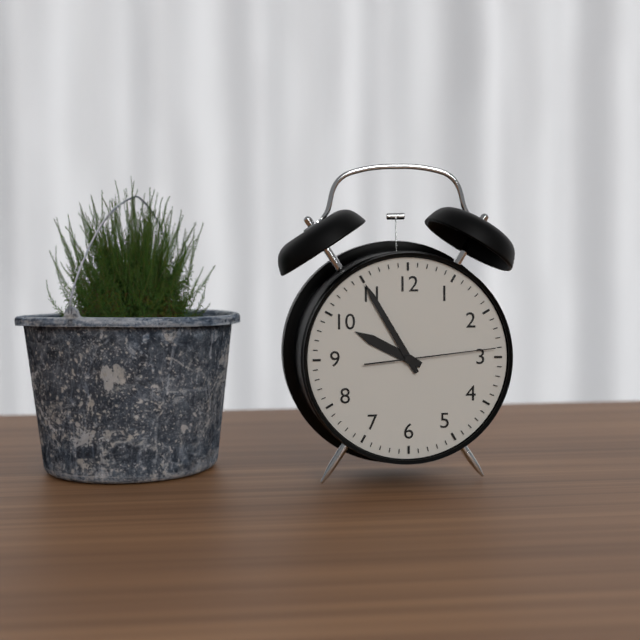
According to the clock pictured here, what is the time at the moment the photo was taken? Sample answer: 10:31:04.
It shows 9:55:14
